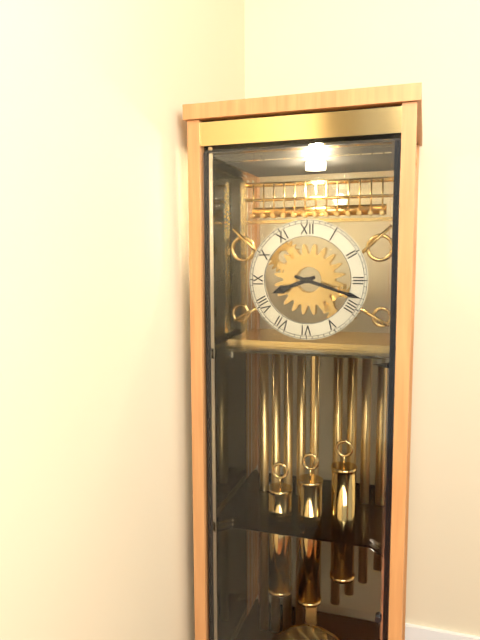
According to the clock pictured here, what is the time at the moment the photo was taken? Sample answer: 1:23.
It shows 8:18
